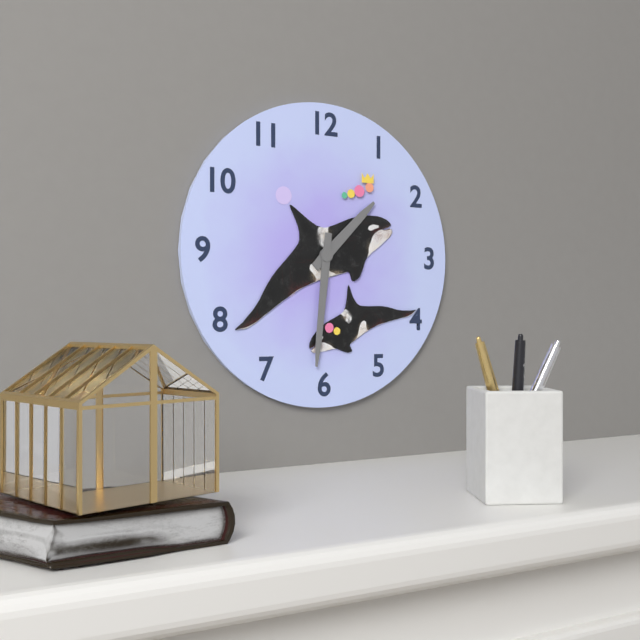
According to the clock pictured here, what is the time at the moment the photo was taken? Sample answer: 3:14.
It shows 1:31
